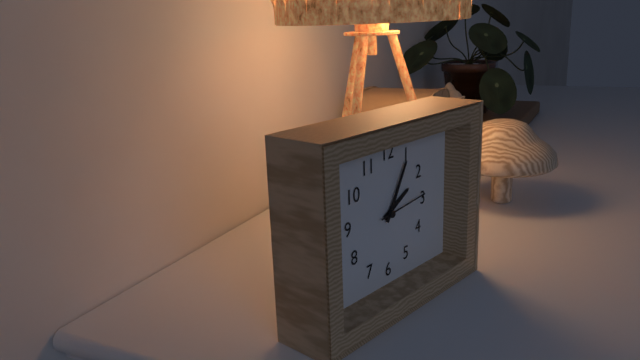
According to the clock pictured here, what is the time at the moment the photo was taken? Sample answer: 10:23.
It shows 2:05
